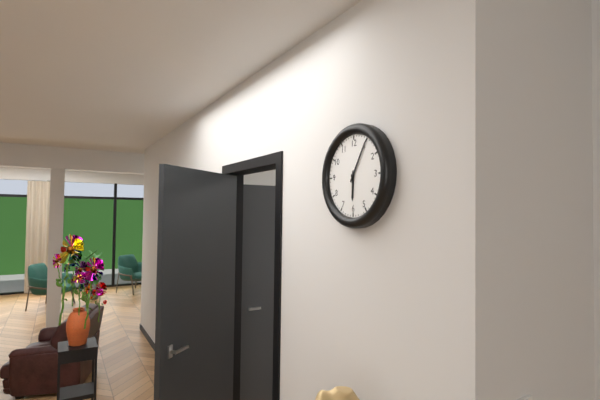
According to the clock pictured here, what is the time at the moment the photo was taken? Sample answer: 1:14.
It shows 6:05
